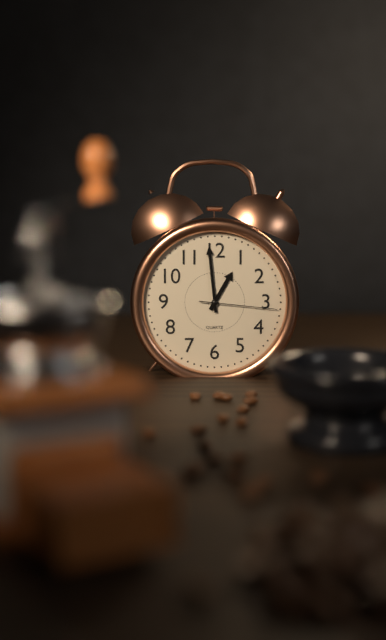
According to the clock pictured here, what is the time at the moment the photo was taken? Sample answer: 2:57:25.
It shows 12:59:16
